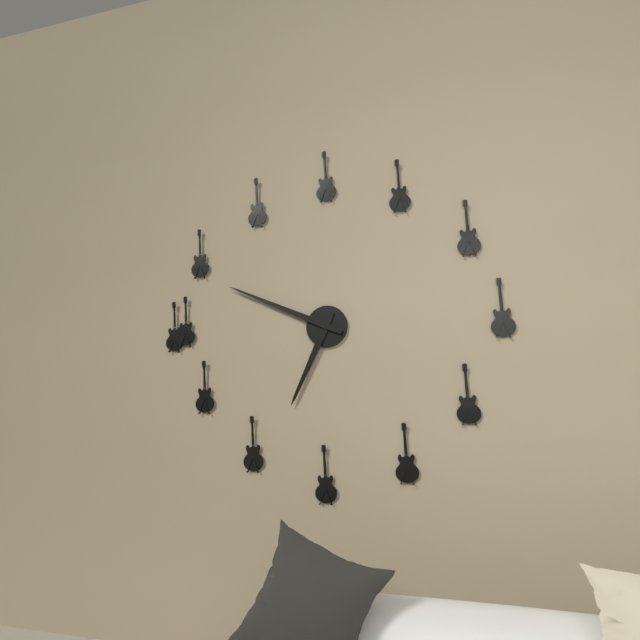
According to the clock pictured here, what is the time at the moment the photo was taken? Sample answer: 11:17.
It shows 6:49
